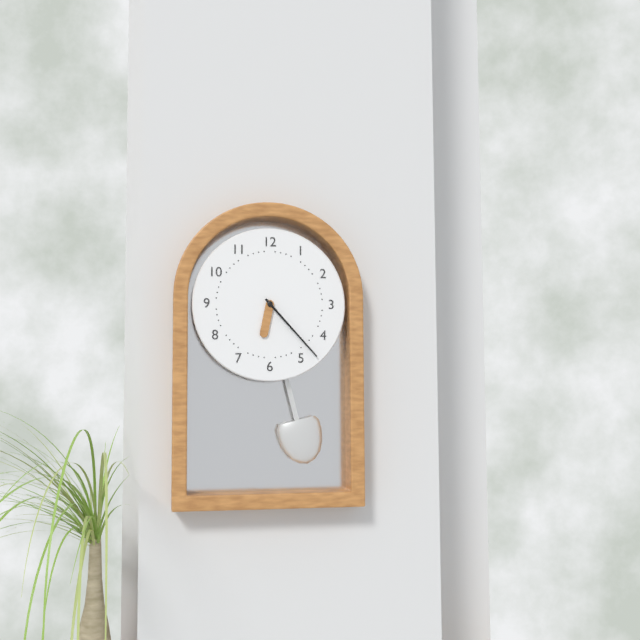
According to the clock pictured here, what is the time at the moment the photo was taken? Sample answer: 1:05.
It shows 6:23
